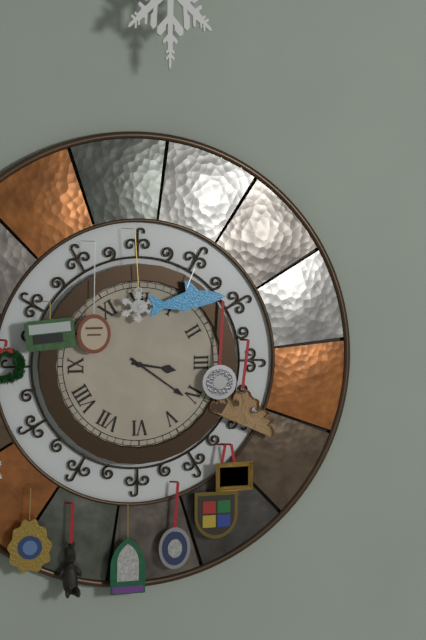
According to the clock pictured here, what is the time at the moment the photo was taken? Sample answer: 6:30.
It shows 3:21
